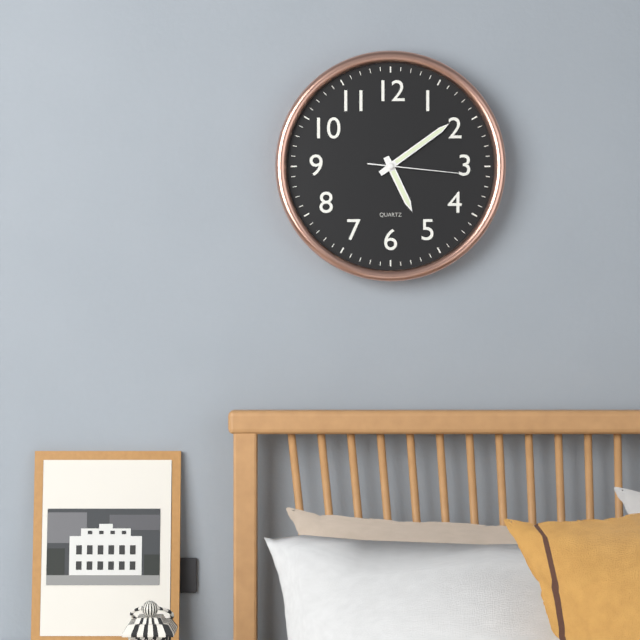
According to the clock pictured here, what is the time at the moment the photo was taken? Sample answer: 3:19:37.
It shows 5:09:16
